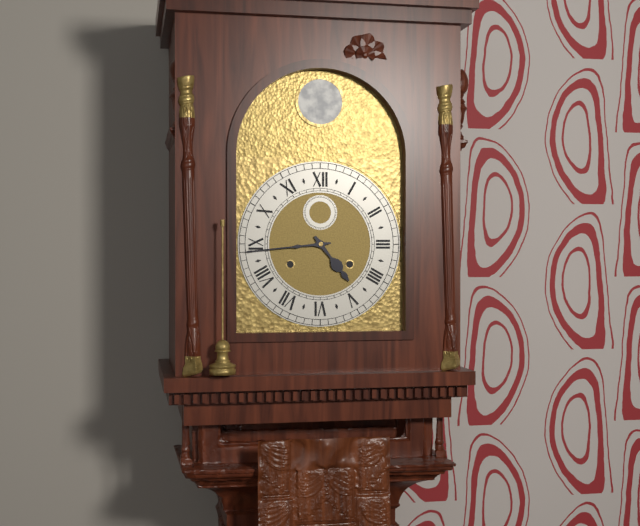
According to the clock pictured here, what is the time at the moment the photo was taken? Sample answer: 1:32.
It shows 4:44
